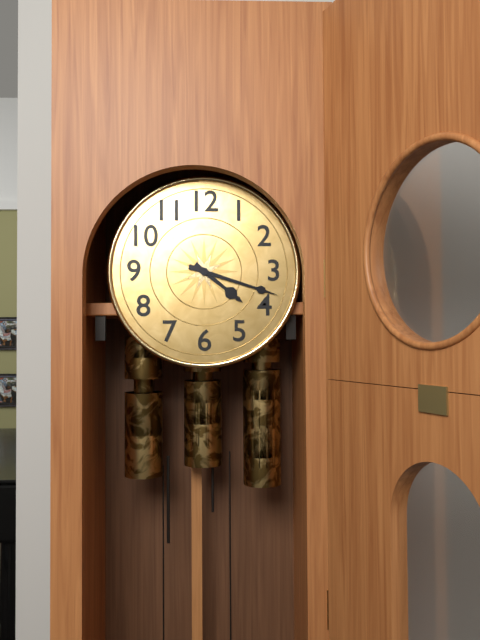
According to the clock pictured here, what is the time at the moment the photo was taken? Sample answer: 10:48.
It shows 4:18
